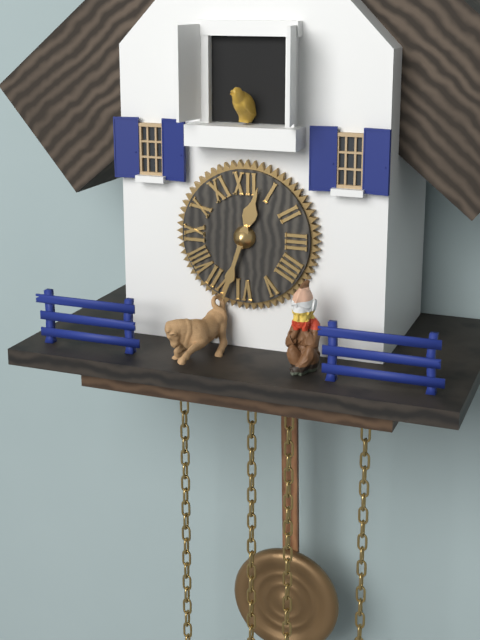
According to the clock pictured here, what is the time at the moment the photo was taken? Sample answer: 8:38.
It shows 12:33
